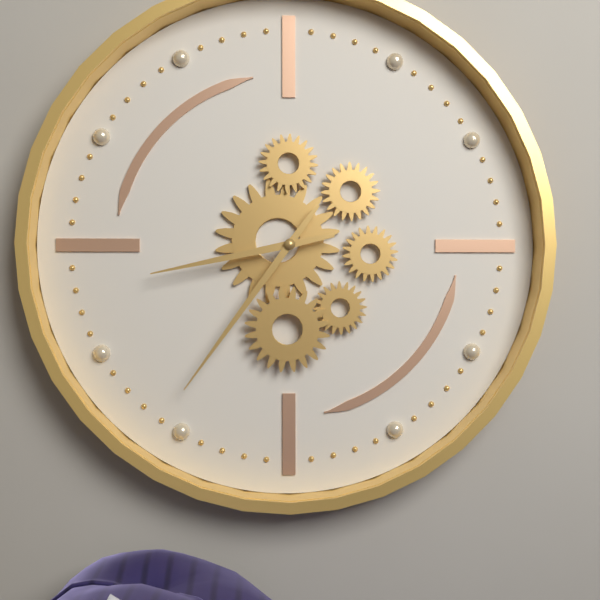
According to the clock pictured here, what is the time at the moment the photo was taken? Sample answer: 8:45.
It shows 8:36
